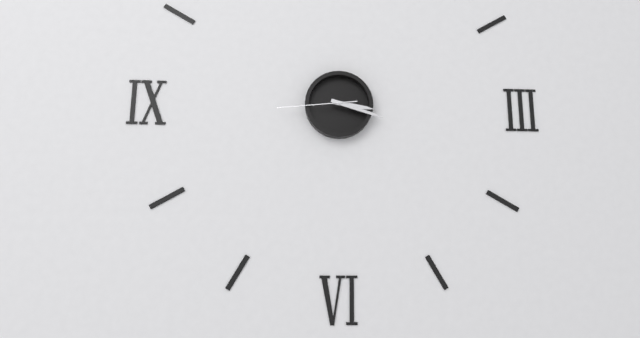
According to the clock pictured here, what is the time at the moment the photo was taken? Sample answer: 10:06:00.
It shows 3:18:44
